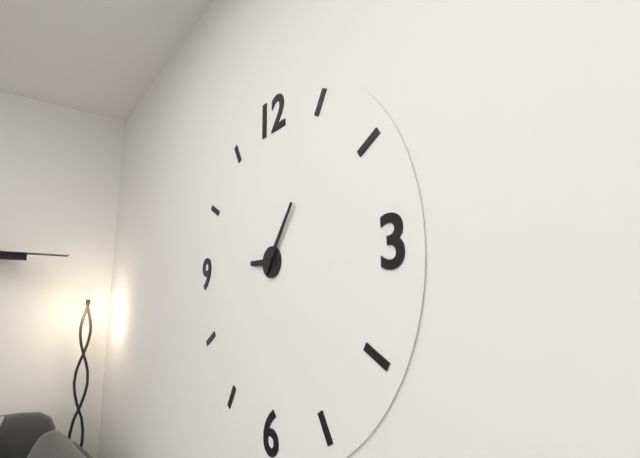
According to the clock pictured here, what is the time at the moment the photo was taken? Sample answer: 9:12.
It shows 9:06
